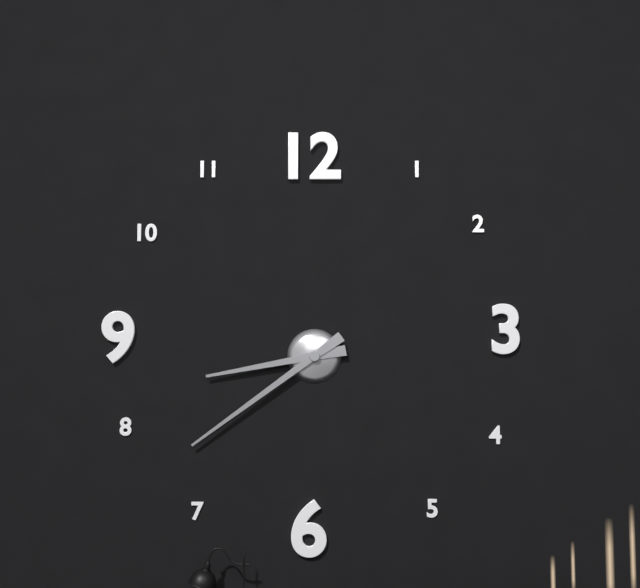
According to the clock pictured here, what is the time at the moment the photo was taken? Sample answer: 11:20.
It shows 8:39
